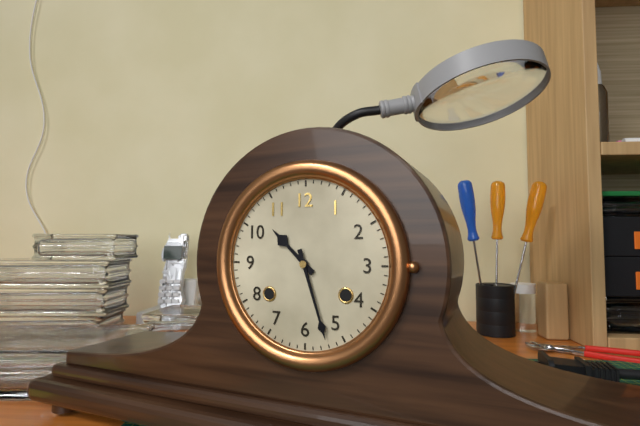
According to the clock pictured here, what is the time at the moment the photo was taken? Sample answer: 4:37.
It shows 10:27
